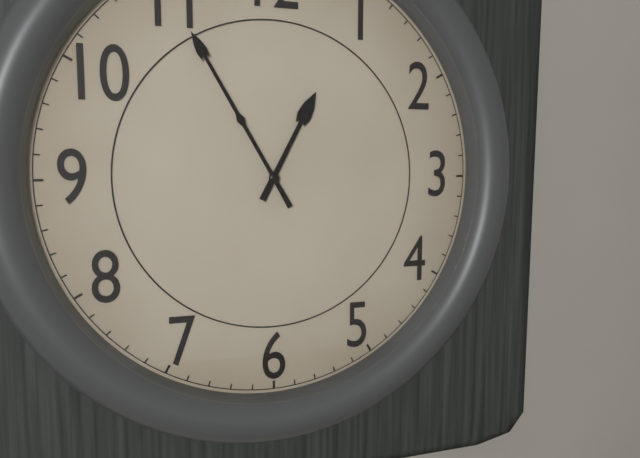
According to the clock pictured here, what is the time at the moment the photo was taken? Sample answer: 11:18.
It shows 12:55
